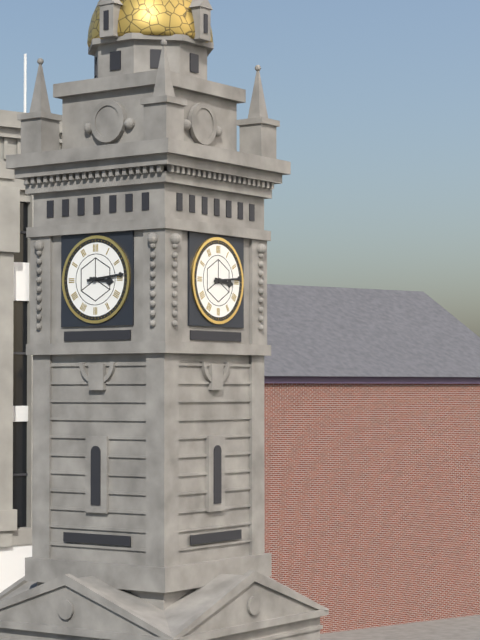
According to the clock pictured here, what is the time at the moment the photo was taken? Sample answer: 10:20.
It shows 3:14
